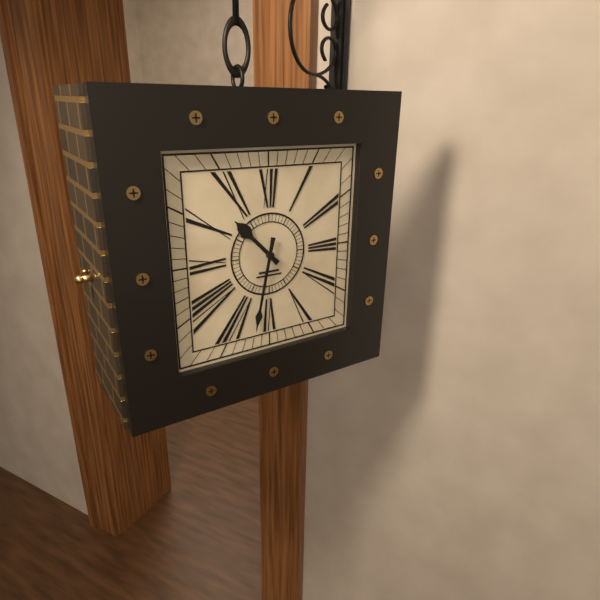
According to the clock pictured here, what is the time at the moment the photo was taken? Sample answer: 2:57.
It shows 10:32
